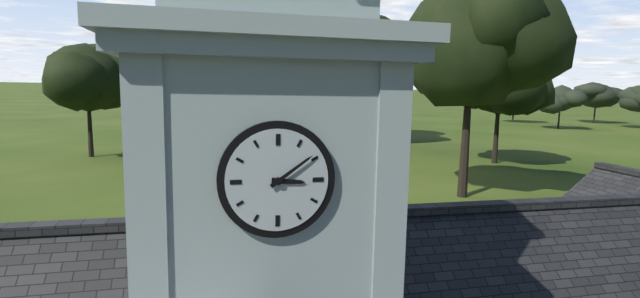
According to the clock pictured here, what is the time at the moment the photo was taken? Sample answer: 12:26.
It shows 3:09
